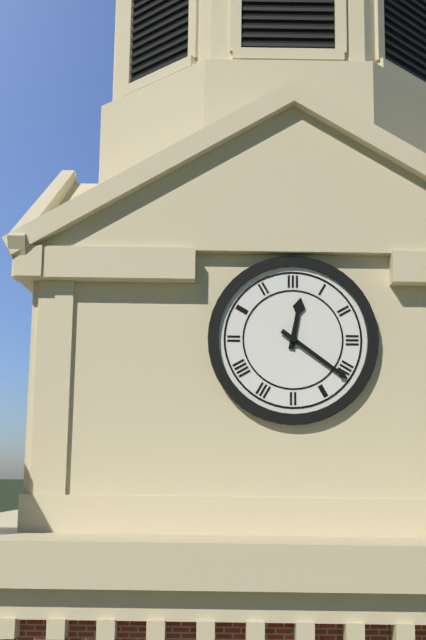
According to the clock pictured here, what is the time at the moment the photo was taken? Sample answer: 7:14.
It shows 12:21
